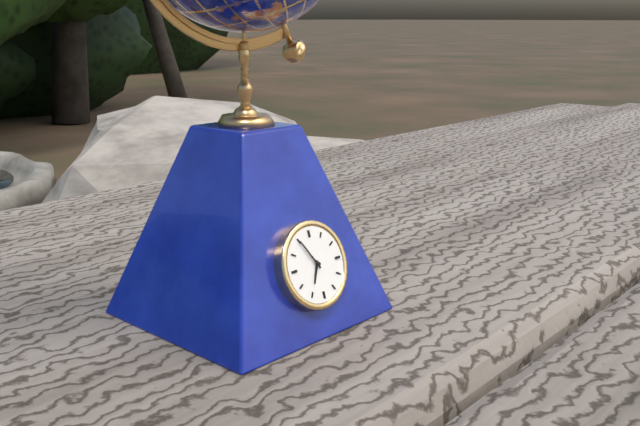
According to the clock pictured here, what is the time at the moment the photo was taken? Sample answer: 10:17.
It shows 6:55
